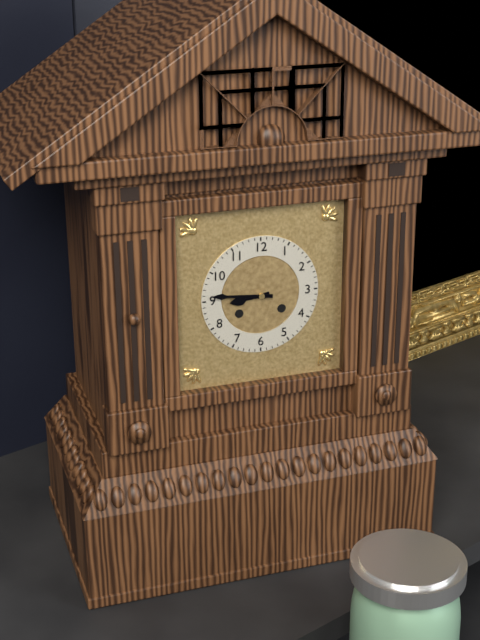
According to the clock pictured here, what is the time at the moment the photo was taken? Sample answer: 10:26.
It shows 8:46
